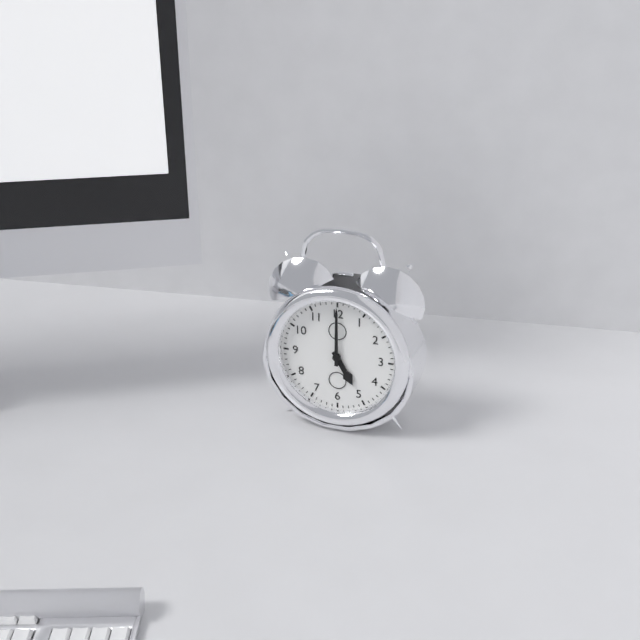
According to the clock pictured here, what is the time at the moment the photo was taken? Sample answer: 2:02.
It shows 5:00
